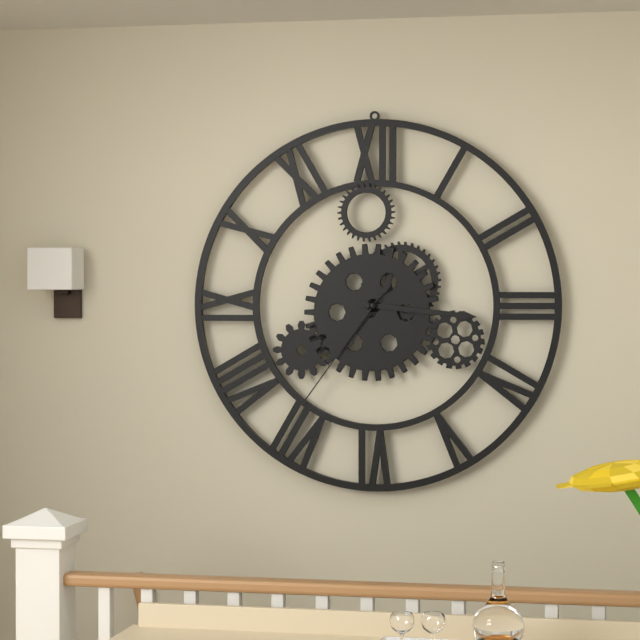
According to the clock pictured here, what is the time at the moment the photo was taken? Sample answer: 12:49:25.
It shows 7:16:36
